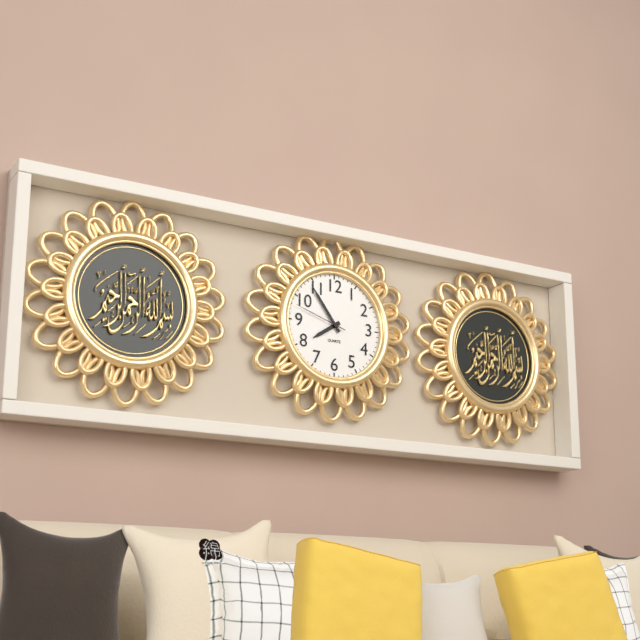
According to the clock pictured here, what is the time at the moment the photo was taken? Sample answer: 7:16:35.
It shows 7:54:48
